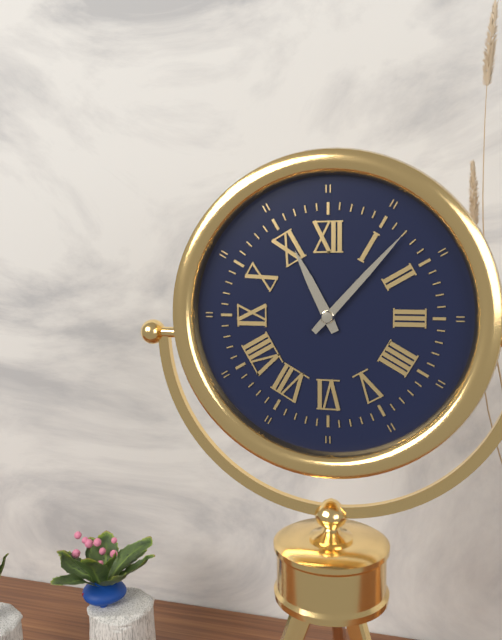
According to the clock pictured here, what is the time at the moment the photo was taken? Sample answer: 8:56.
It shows 11:07
